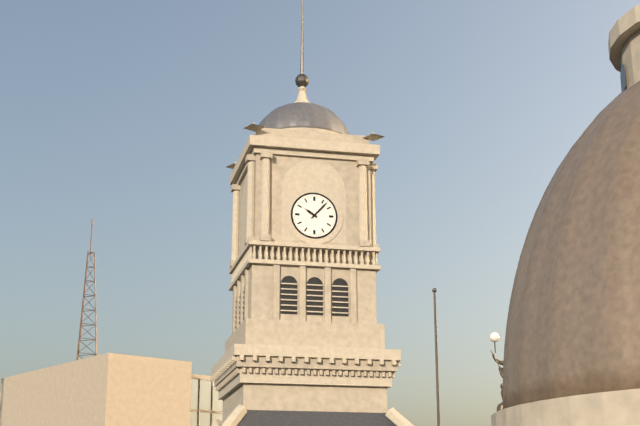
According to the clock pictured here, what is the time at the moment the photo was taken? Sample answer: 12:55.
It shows 10:07
